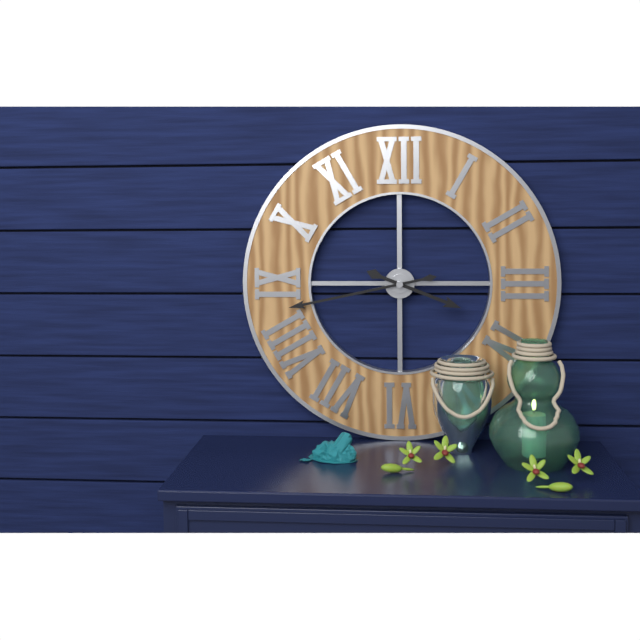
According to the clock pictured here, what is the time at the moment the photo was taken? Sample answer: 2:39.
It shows 3:43
